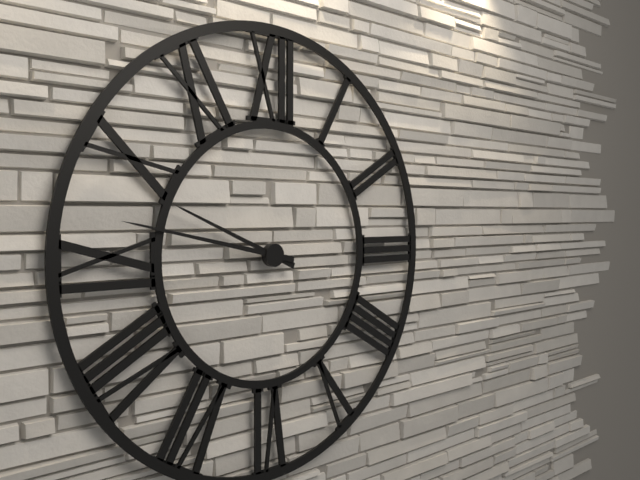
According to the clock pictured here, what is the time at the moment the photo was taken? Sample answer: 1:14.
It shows 9:47
